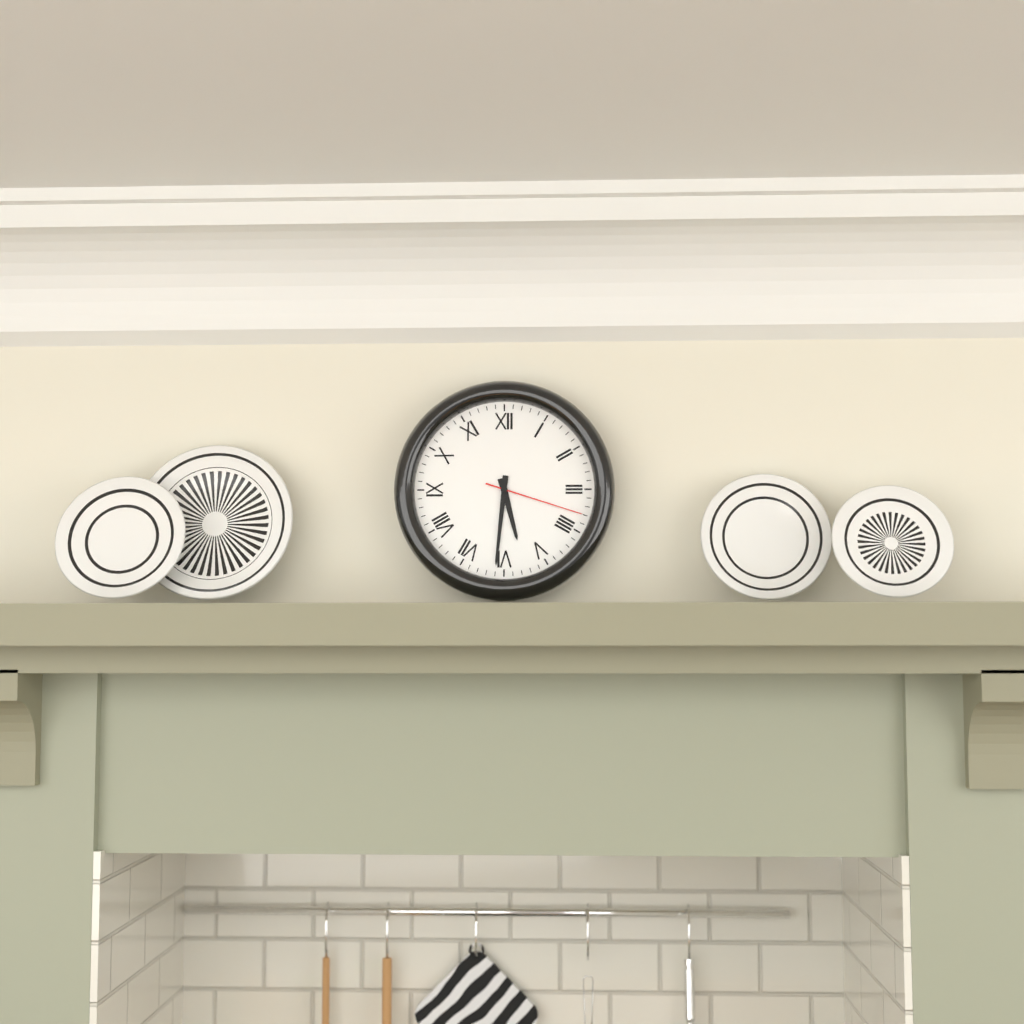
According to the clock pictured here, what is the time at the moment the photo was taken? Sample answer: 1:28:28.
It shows 5:31:18
